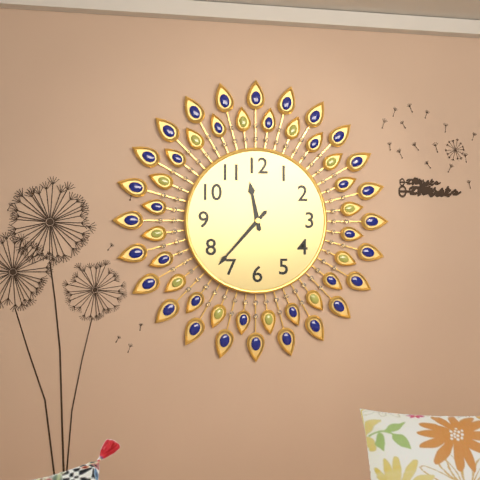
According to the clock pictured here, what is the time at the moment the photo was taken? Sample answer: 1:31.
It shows 11:37
